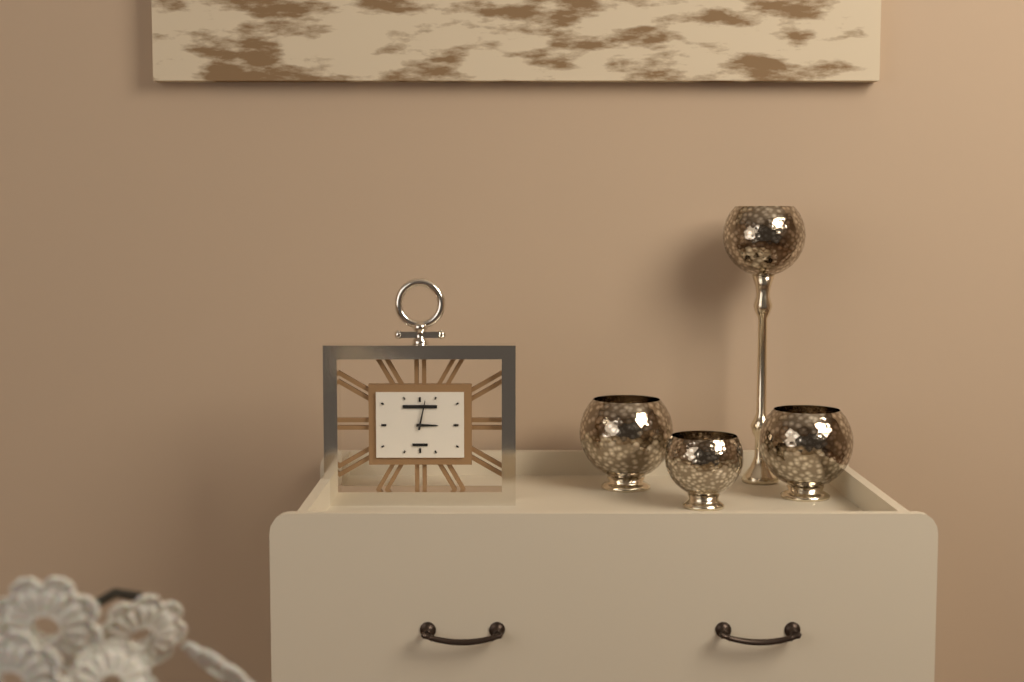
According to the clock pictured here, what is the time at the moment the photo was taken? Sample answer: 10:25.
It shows 3:02
